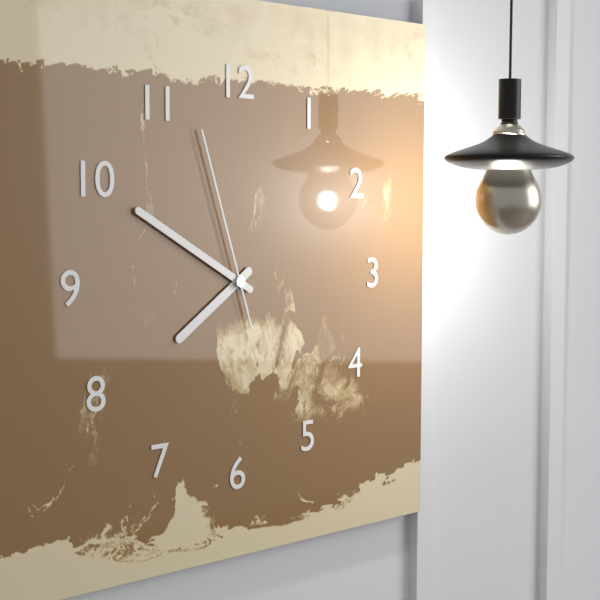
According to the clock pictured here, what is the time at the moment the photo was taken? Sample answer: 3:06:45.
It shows 7:50:57
